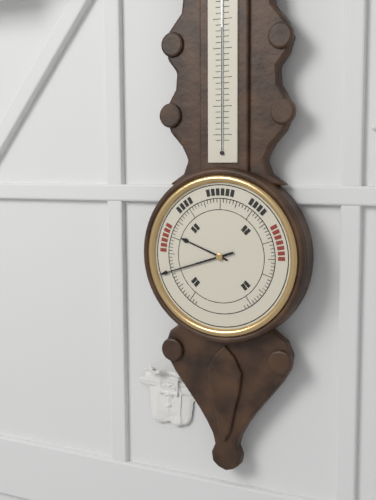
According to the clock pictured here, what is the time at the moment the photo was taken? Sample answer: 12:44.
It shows 9:42
